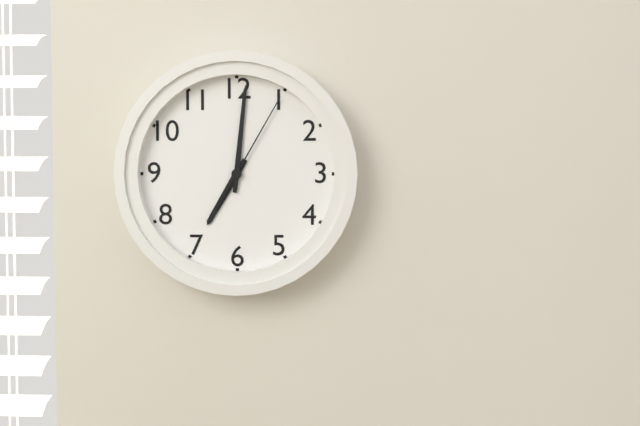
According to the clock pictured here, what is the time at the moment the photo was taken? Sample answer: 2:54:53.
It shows 7:01:05
